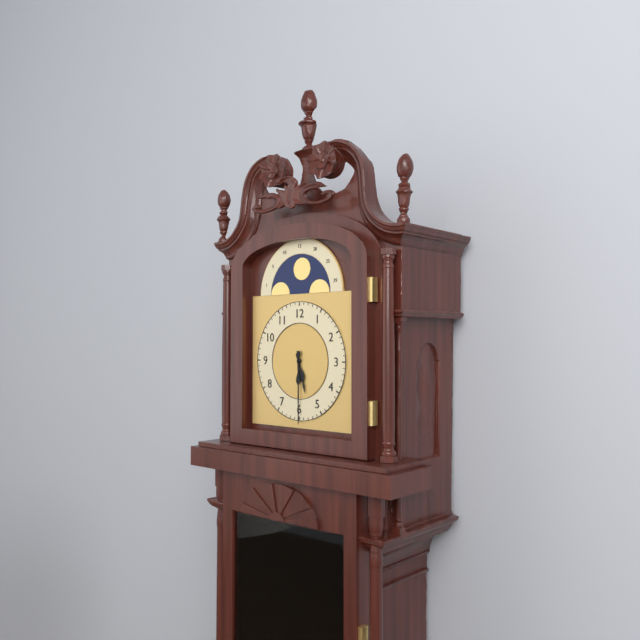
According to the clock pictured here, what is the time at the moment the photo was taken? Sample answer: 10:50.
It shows 5:30
